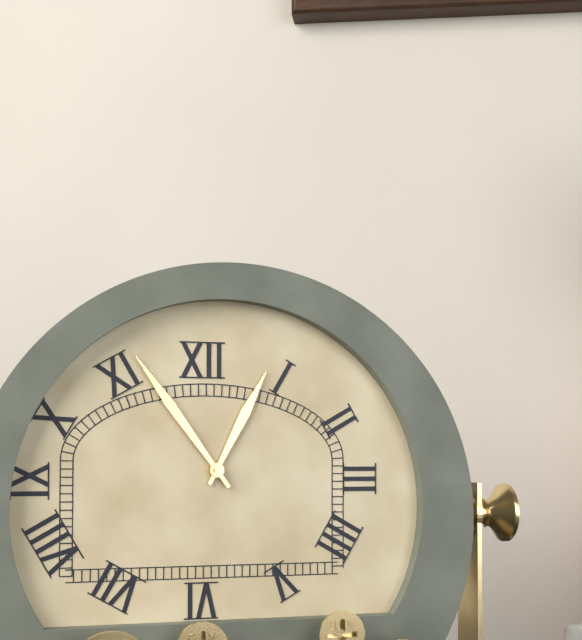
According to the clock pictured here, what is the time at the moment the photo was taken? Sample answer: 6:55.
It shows 12:54
